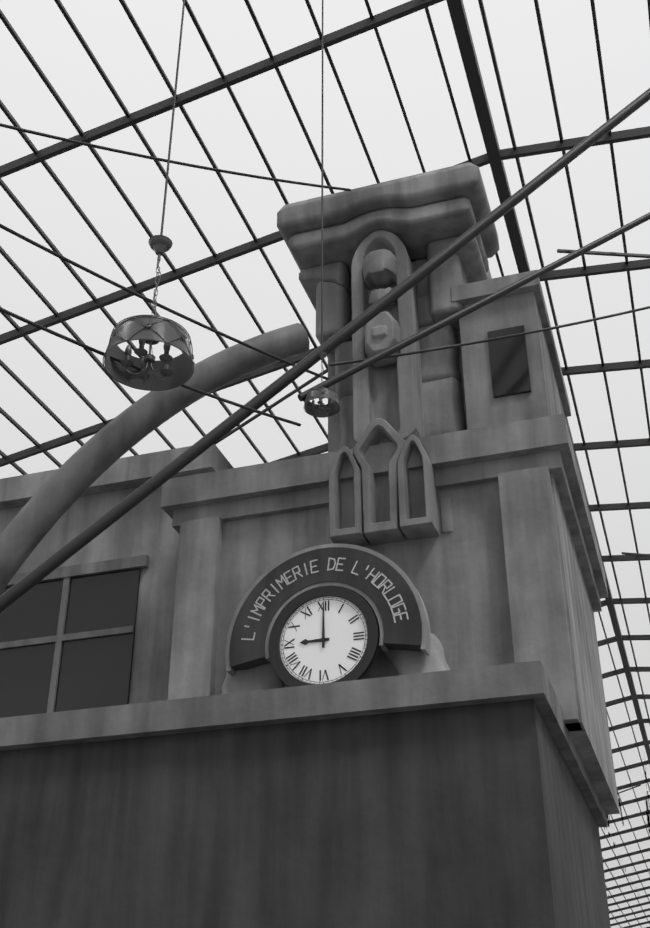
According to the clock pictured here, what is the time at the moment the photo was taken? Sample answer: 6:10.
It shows 9:00
